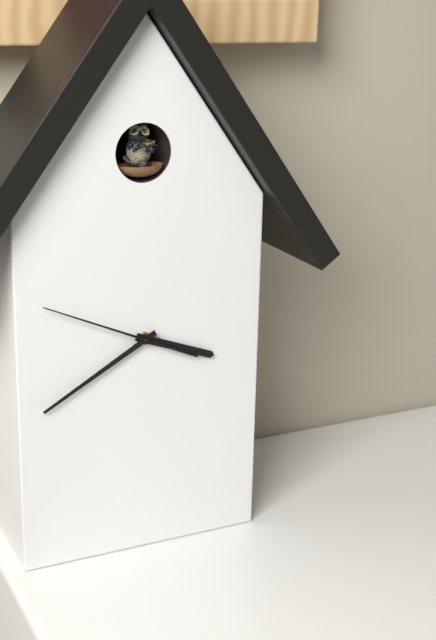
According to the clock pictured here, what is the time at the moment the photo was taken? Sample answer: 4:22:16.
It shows 3:40:49
